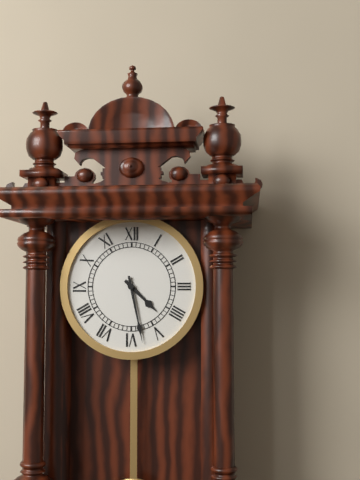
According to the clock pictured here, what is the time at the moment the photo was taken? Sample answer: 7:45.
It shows 4:28
